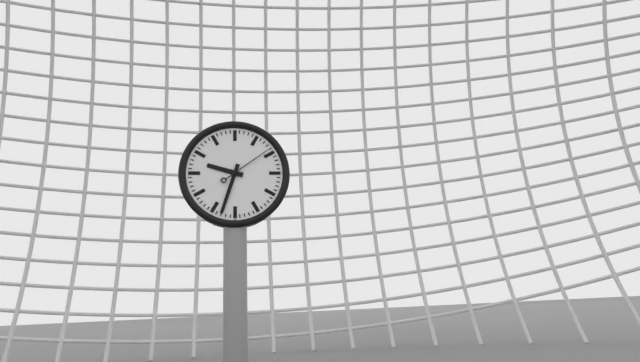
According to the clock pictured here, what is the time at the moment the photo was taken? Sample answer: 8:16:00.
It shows 9:33:09
